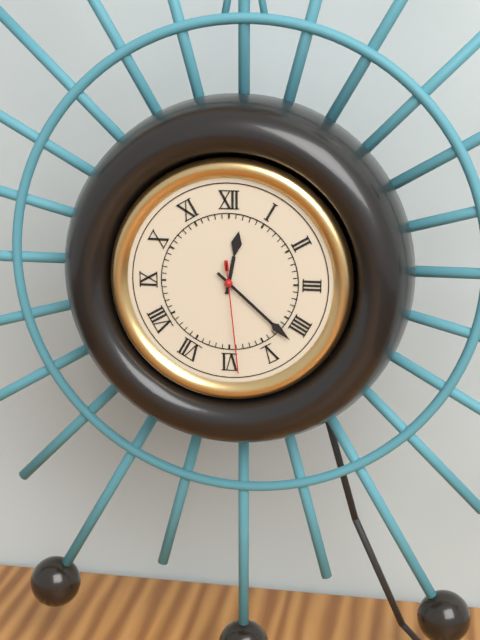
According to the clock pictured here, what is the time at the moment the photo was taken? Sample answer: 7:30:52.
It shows 12:22:29
